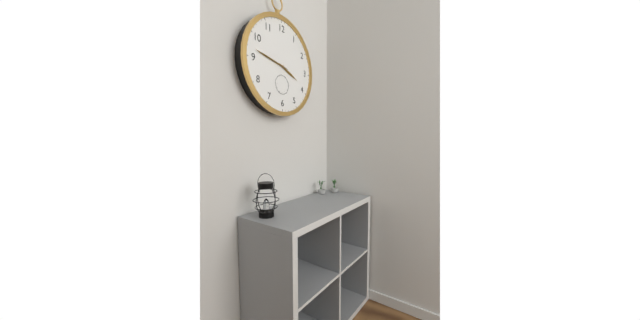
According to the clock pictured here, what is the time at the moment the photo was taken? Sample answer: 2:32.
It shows 3:47
